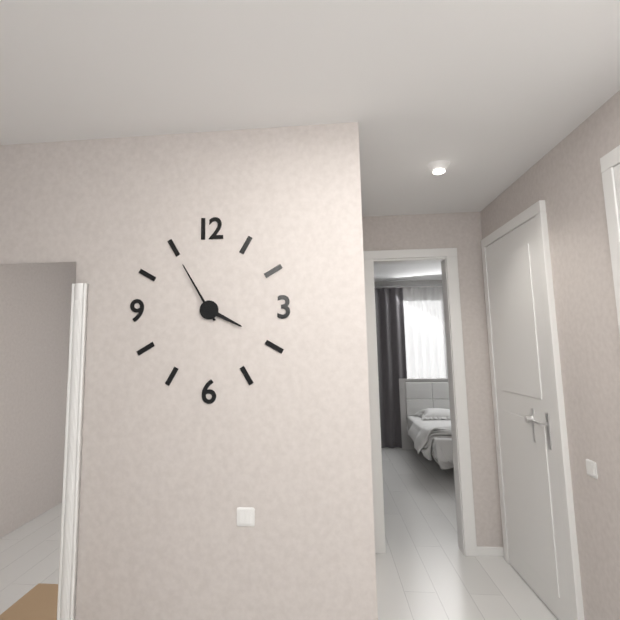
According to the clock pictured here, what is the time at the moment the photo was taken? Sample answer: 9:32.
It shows 3:55
